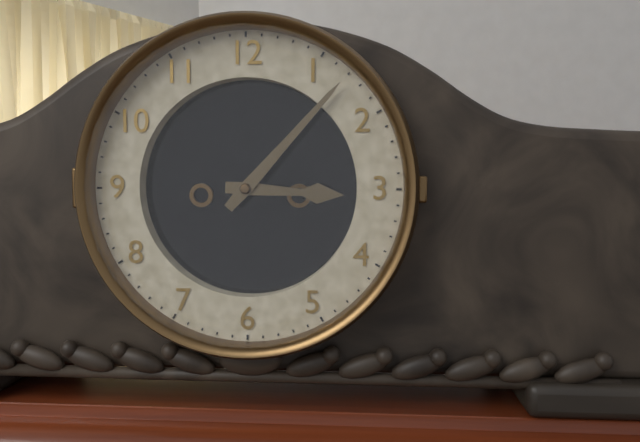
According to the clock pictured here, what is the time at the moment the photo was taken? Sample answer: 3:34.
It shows 3:07
